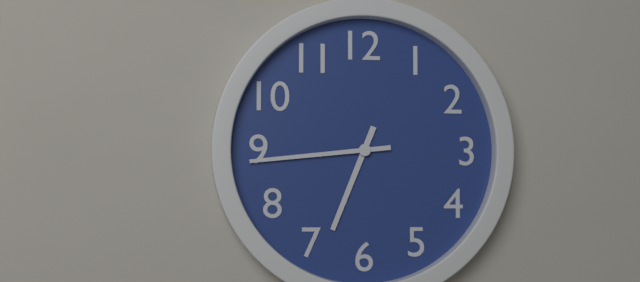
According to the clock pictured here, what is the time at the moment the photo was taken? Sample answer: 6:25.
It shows 6:44
